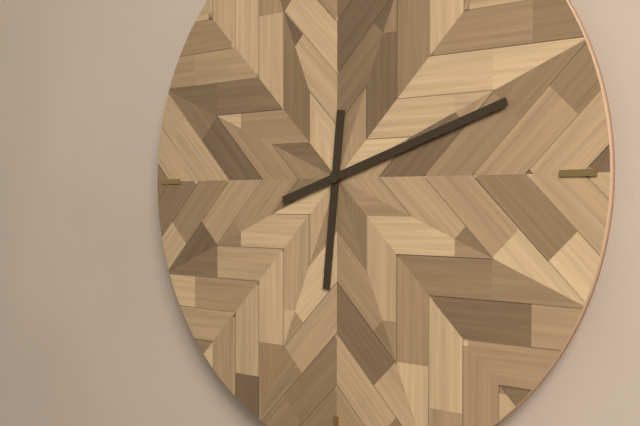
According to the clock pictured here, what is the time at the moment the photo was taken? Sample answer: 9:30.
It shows 6:12
